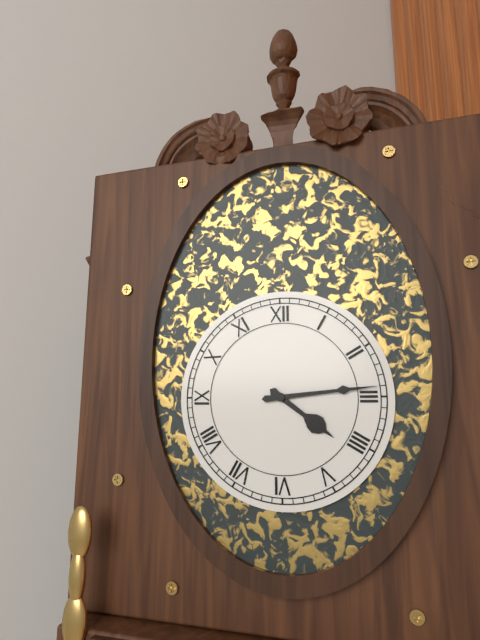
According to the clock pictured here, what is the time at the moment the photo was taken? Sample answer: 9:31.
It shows 4:14
